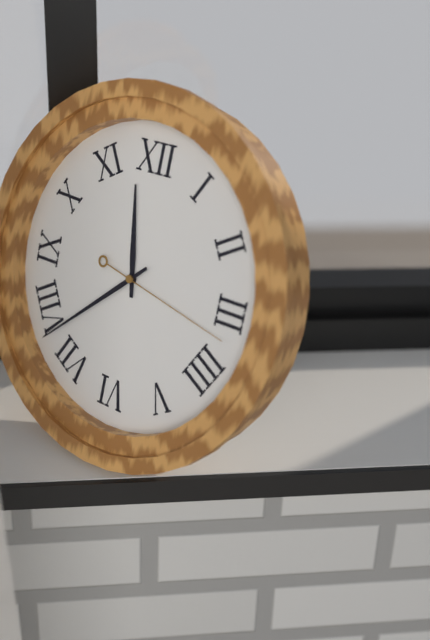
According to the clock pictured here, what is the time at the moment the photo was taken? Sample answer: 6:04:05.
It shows 11:38:17
